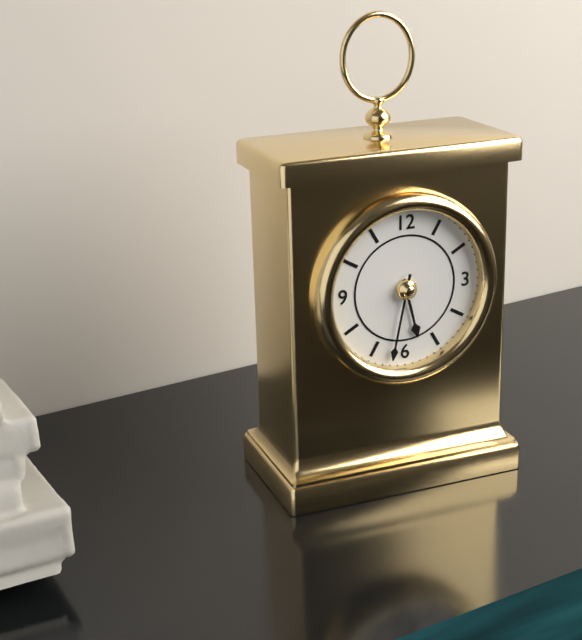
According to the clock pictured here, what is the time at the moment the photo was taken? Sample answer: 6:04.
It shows 5:32
